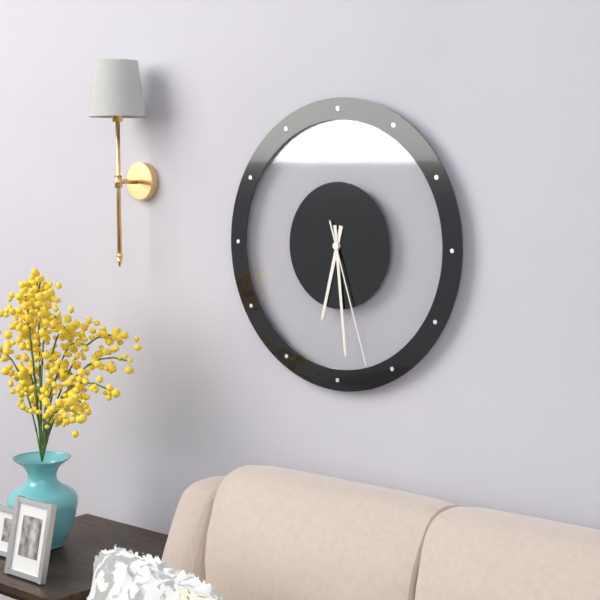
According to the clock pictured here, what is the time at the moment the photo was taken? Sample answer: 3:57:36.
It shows 6:29:27
